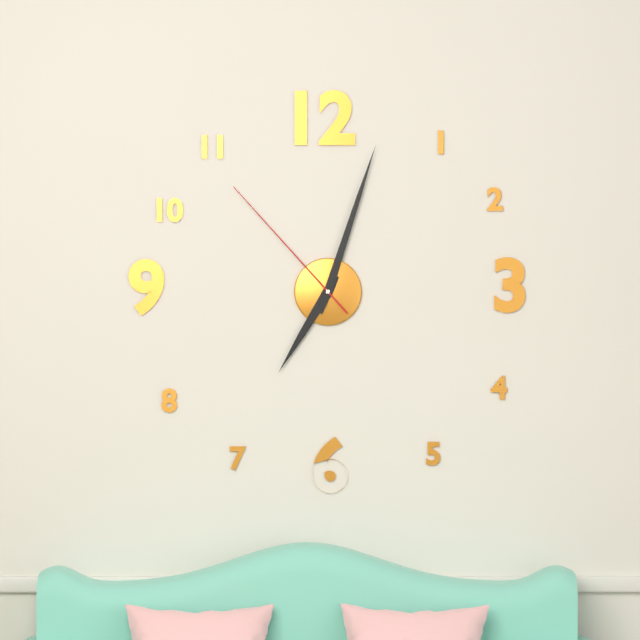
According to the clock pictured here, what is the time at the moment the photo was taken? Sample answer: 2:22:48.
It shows 7:03:53
